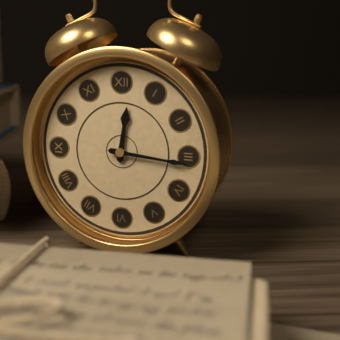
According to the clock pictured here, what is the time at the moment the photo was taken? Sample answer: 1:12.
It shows 12:16
